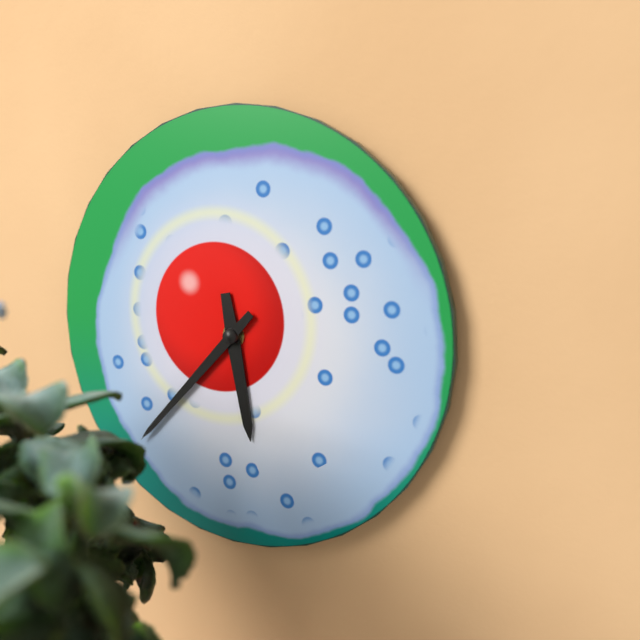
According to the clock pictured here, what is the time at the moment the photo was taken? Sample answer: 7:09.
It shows 5:37
